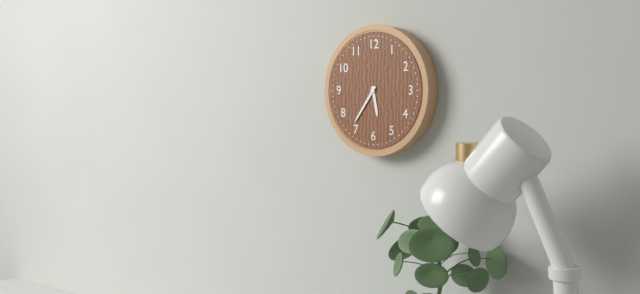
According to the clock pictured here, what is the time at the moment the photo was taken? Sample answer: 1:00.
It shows 5:36
